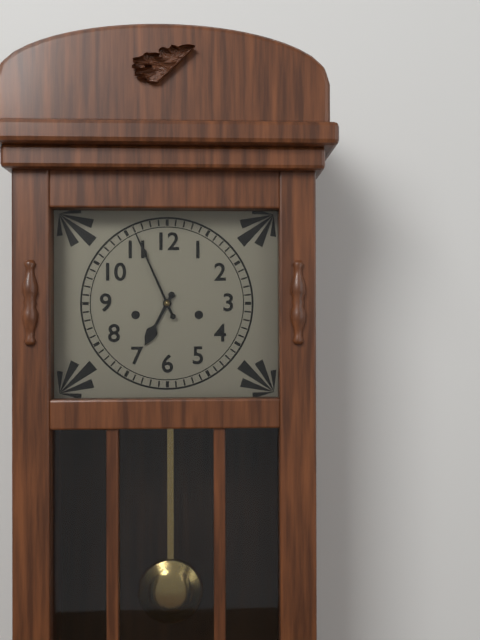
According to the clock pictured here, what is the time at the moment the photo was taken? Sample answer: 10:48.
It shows 6:56
